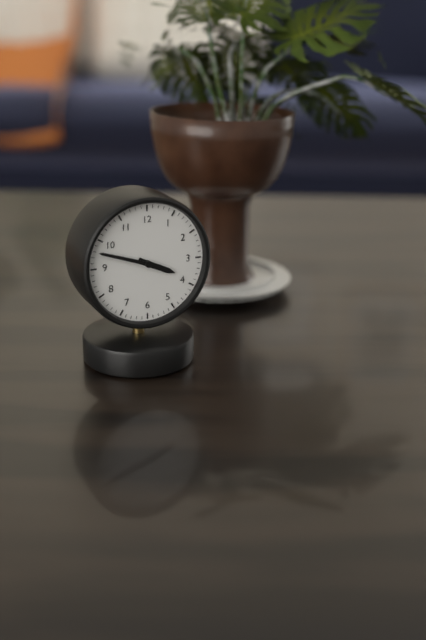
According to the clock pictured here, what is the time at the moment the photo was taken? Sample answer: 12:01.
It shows 3:48
